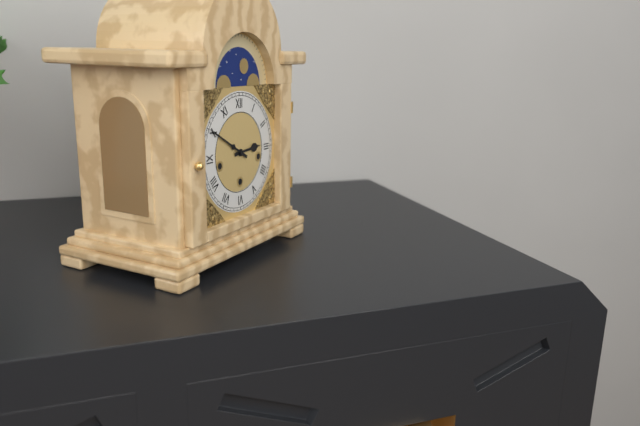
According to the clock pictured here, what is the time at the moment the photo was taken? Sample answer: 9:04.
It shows 2:50
